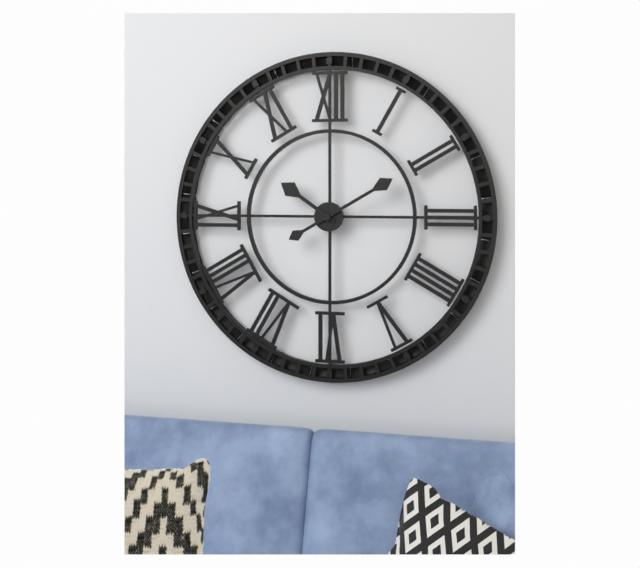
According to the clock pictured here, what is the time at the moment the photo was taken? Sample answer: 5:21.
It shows 10:10
